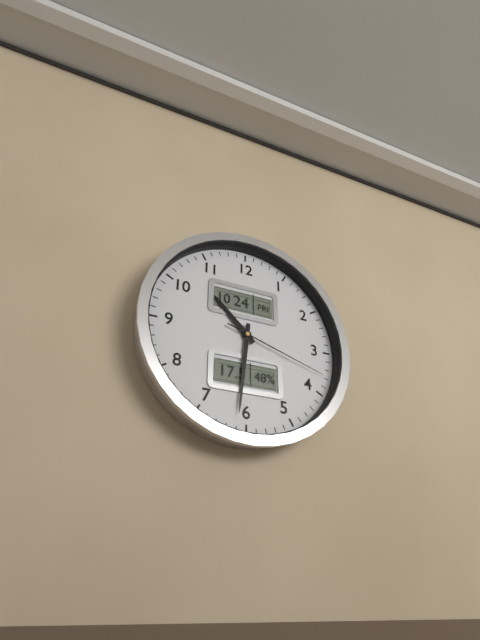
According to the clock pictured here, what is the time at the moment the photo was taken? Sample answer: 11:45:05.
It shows 10:31:18
